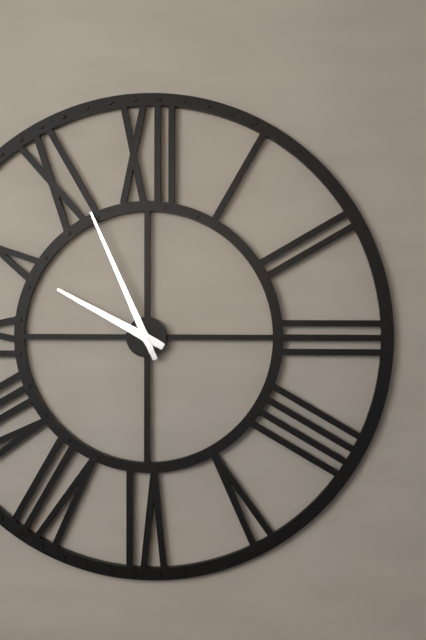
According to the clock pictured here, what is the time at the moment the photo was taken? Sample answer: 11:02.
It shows 9:56
